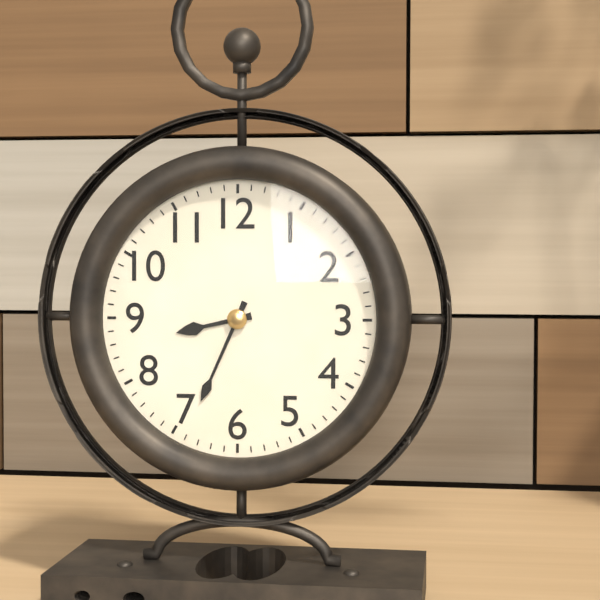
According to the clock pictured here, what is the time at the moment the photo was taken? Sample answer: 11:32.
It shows 8:34
